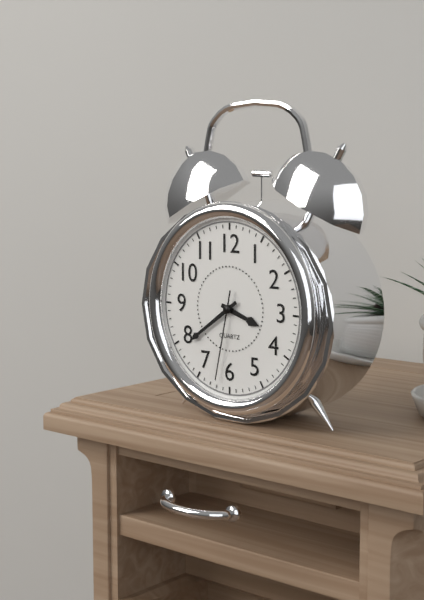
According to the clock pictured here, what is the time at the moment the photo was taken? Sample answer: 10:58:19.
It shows 3:39:32
